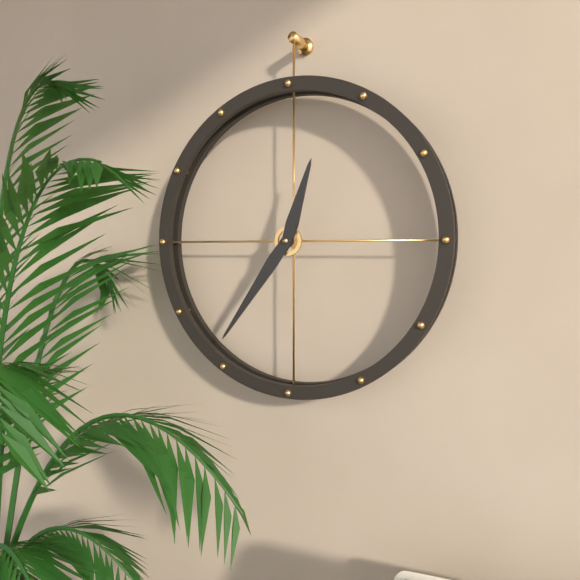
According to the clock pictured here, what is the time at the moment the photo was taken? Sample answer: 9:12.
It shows 12:36
